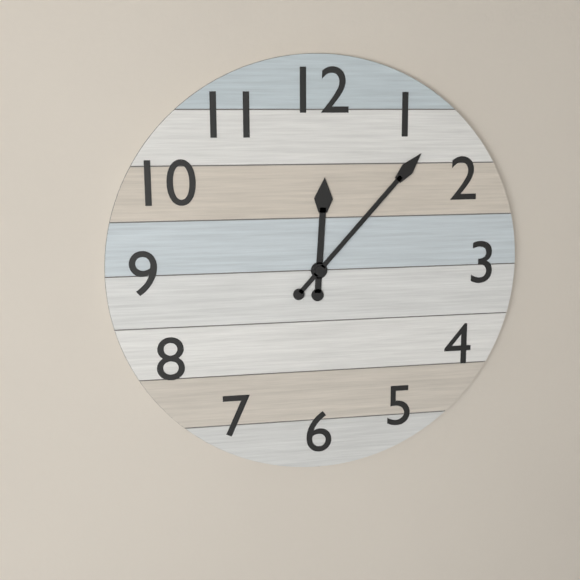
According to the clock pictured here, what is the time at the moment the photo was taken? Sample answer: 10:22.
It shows 12:07
